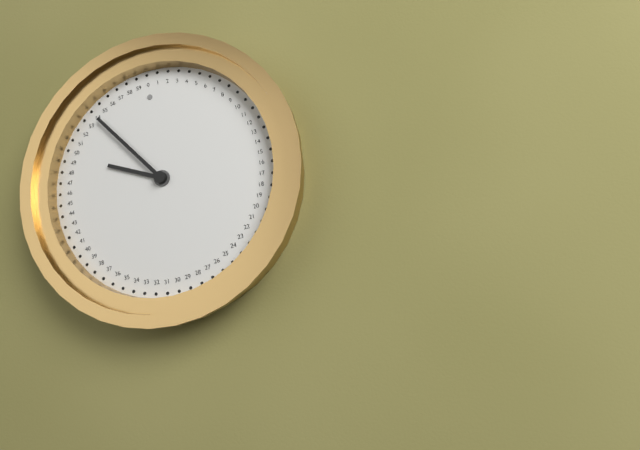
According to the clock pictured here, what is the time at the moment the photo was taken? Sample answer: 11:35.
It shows 9:54
